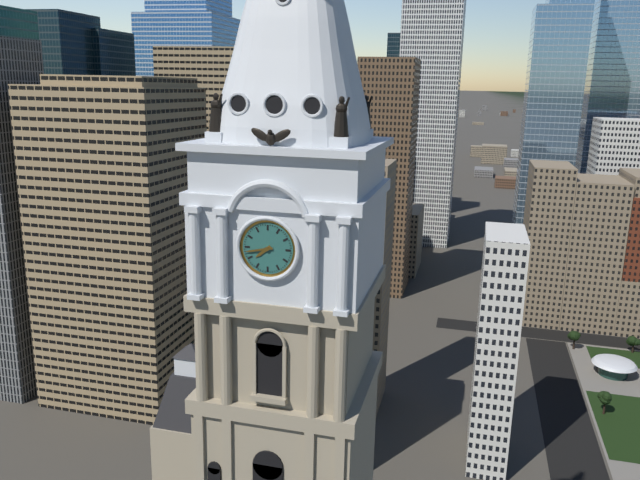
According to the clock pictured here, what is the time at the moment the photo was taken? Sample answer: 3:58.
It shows 7:43
